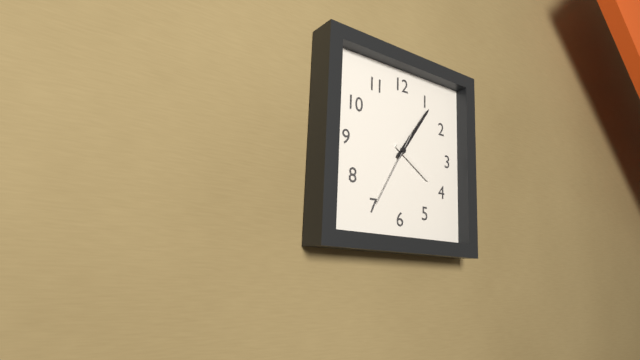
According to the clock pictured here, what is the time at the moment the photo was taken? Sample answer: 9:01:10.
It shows 4:06:35
